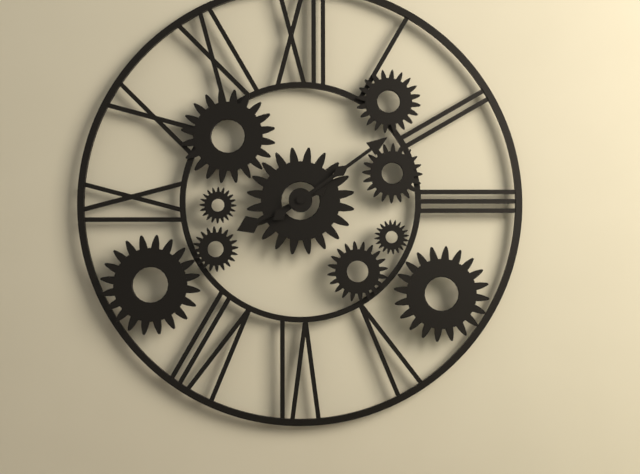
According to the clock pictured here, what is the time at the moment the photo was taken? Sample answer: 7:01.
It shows 8:09
